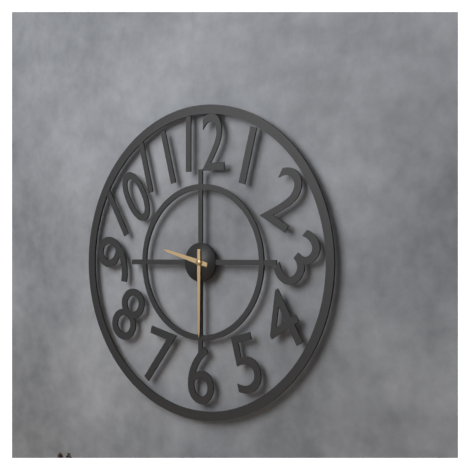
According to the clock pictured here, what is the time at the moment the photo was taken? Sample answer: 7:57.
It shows 9:30
